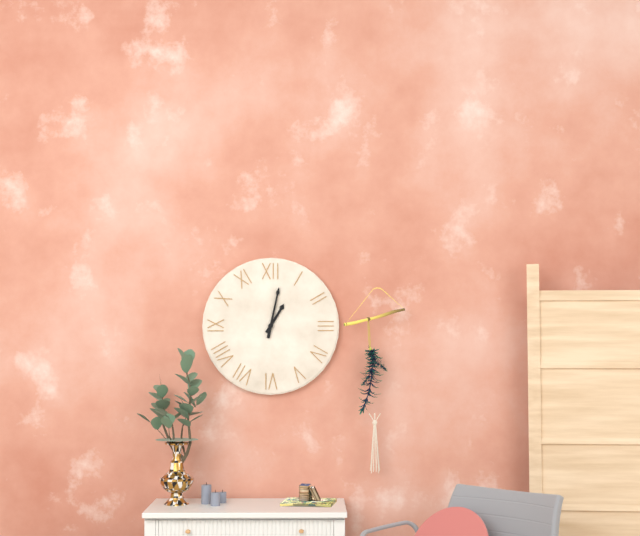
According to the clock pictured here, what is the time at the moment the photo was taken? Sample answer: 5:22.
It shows 1:02
